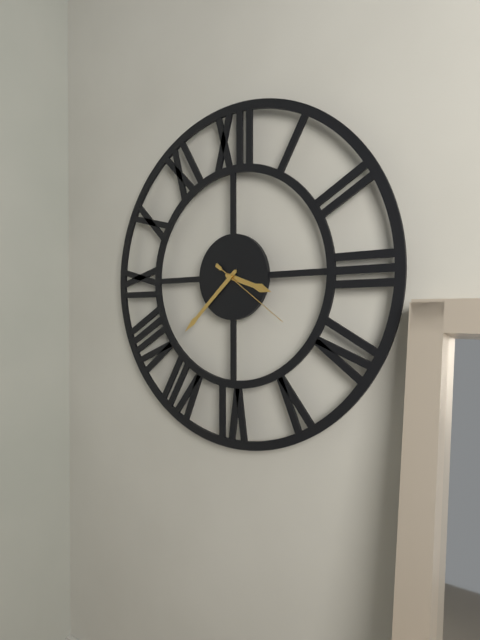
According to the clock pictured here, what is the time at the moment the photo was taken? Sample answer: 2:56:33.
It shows 3:38:21
